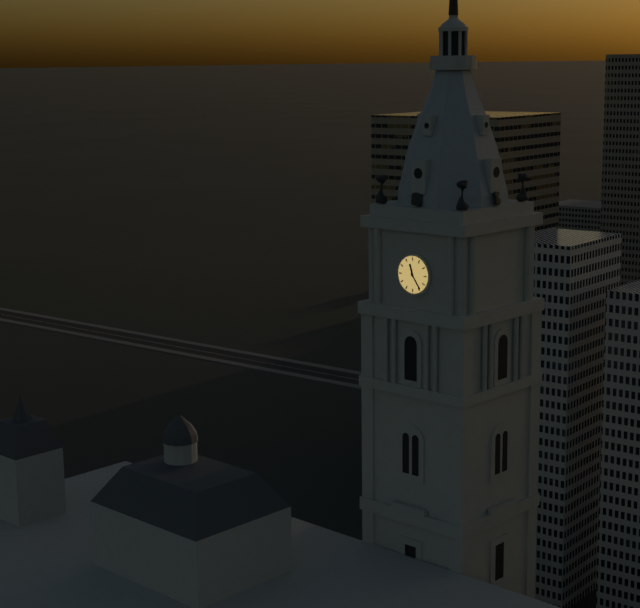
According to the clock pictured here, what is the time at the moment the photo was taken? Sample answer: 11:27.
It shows 11:24
